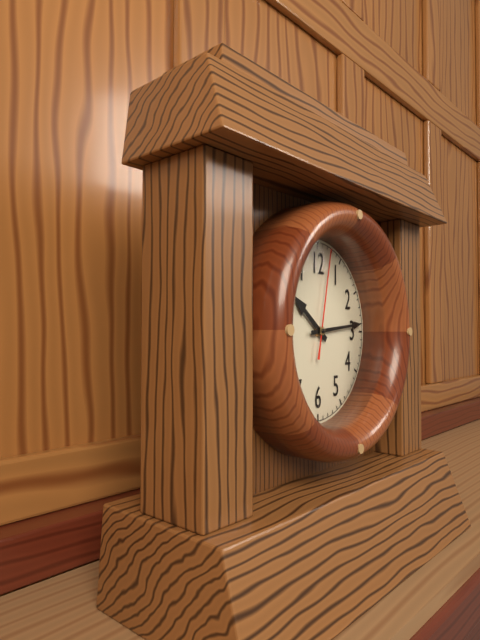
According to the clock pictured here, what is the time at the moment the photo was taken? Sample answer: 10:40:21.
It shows 10:14:02
